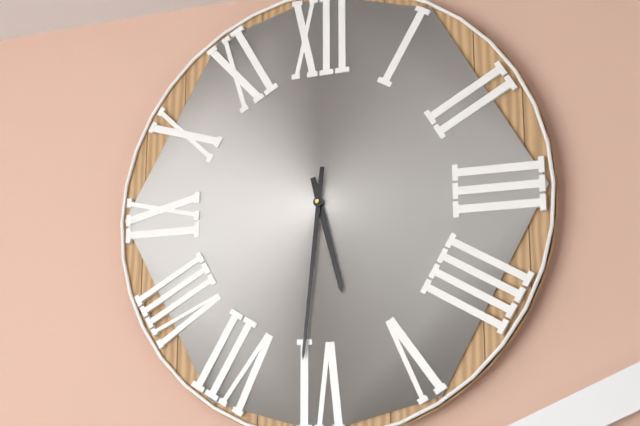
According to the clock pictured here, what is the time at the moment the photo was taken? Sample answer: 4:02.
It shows 5:31
